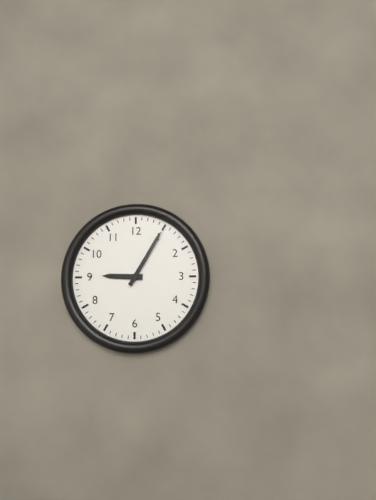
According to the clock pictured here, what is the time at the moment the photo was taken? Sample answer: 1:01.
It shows 9:05
